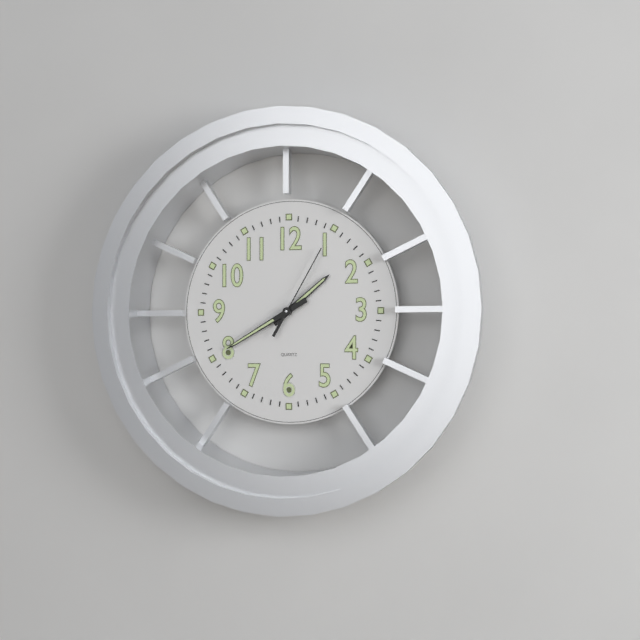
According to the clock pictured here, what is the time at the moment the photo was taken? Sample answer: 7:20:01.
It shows 1:40:05
